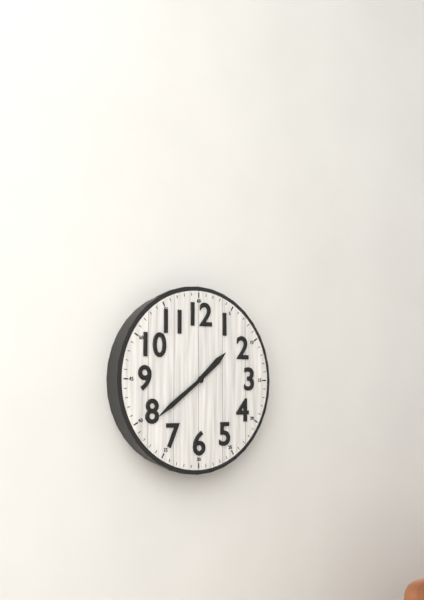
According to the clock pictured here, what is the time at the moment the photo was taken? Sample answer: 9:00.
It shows 1:39
